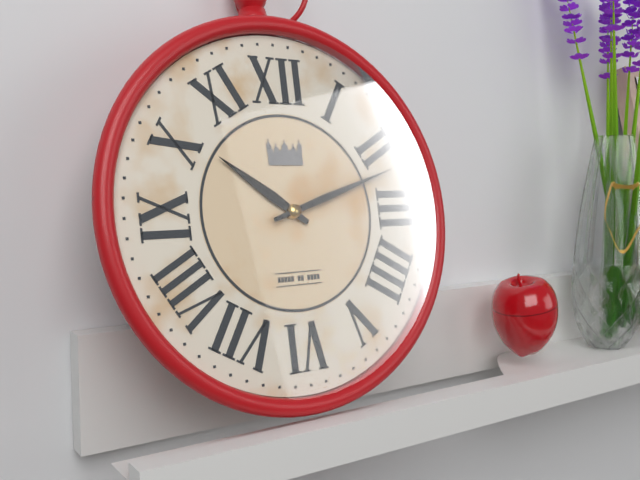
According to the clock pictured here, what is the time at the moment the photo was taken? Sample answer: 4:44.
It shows 10:12
